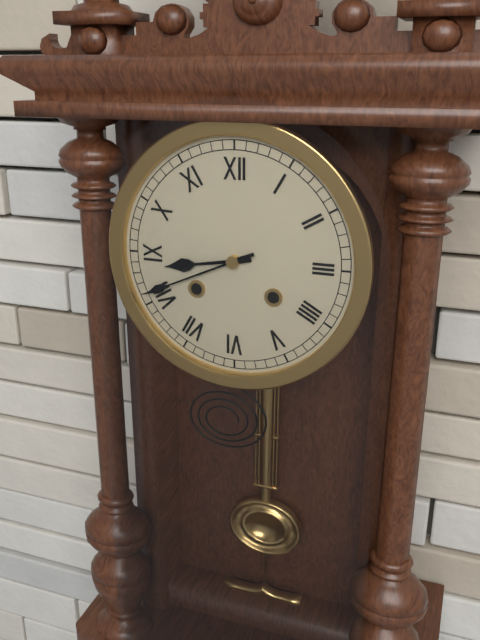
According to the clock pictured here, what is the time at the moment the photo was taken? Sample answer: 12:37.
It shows 8:41
